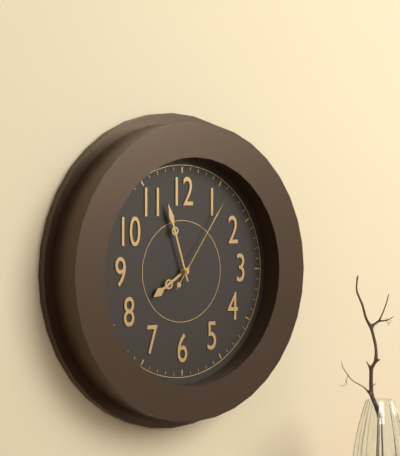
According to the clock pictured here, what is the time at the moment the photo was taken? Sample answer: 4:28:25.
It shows 7:57:06
